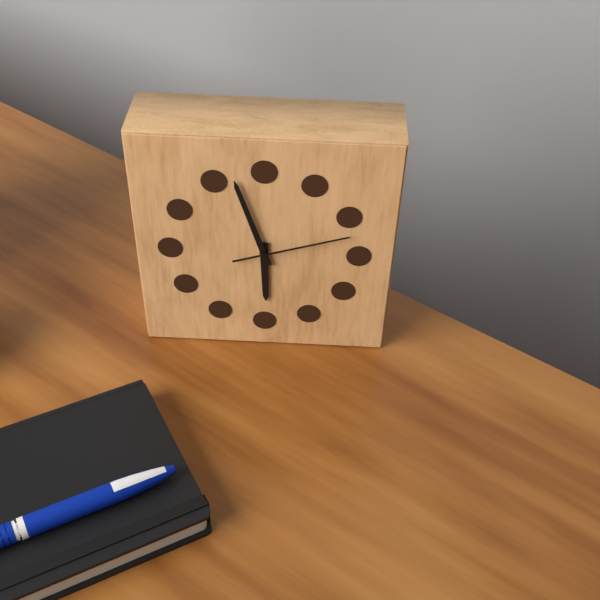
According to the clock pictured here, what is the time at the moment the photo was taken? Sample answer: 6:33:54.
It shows 5:57:12
